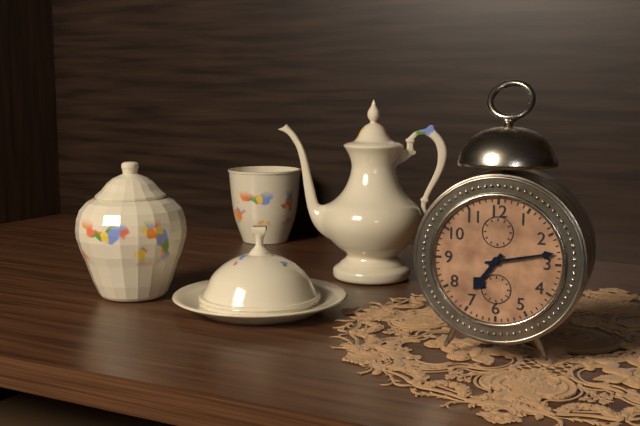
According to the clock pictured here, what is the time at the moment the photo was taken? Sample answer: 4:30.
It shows 7:13
